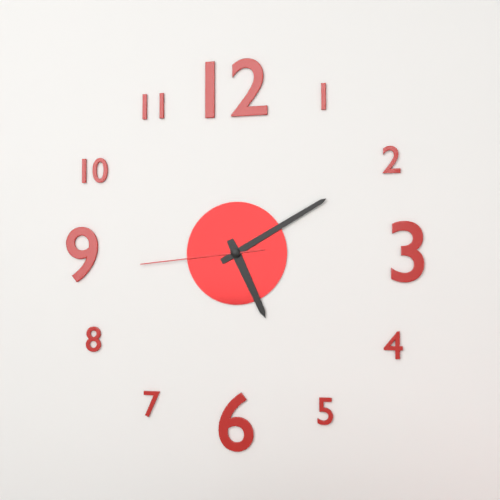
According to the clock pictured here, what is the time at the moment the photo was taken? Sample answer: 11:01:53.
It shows 5:10:44
